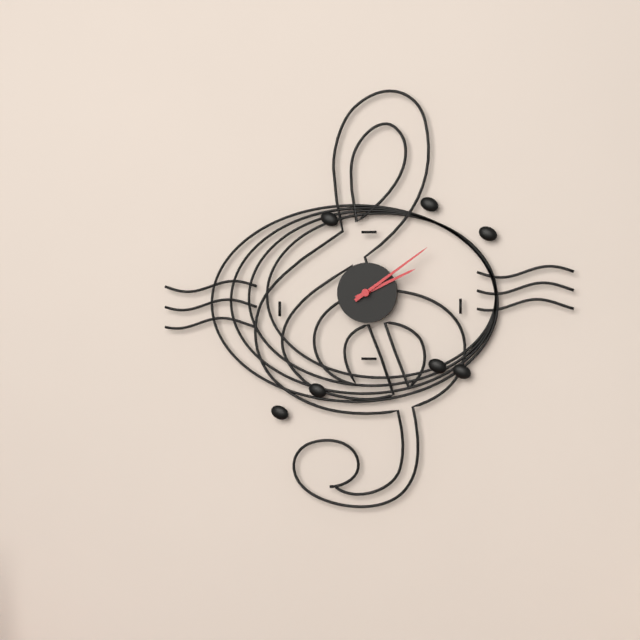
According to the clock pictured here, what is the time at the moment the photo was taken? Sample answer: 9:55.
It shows 2:09
